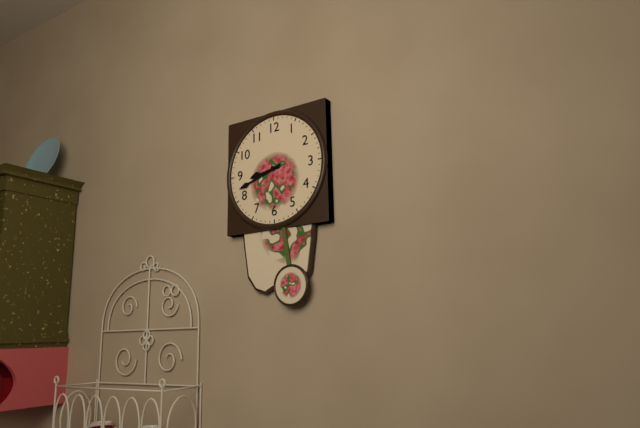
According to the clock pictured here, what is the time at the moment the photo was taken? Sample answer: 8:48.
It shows 8:42
